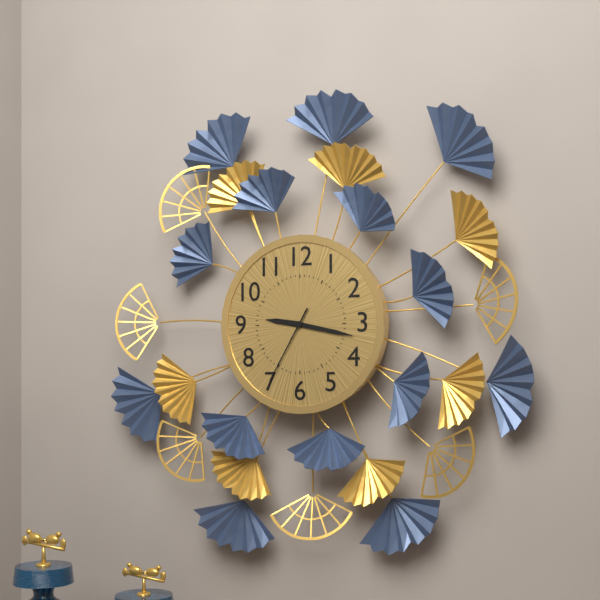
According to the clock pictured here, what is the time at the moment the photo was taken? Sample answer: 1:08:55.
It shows 9:17:35
